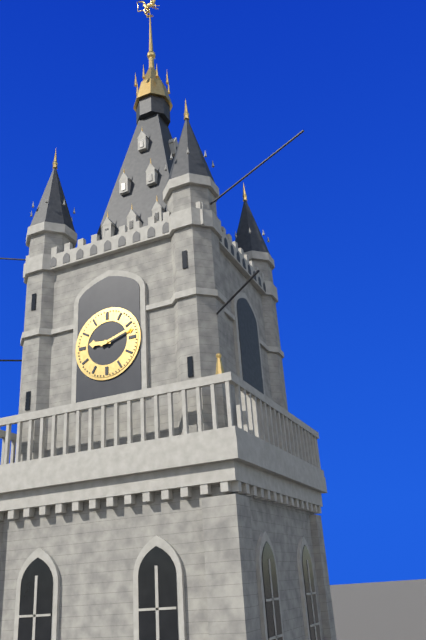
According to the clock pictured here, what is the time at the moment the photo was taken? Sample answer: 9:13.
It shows 9:12
